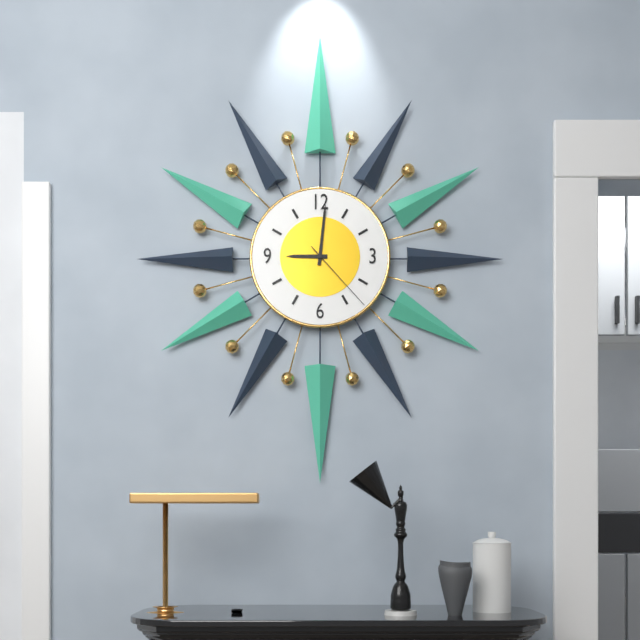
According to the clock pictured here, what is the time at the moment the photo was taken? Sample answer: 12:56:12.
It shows 9:01:23
